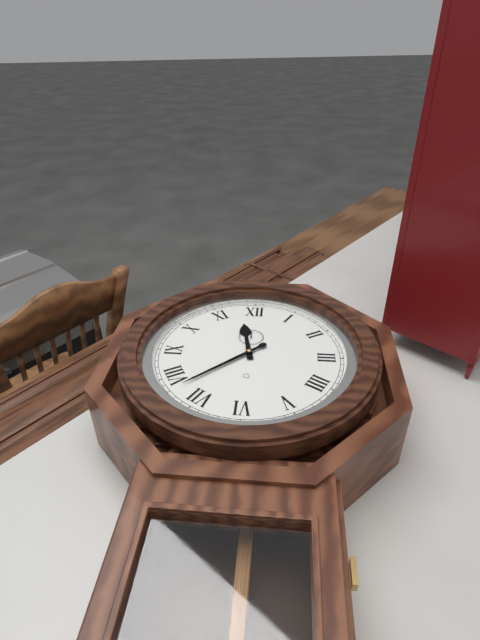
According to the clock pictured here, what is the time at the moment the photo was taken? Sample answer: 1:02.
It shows 11:38
